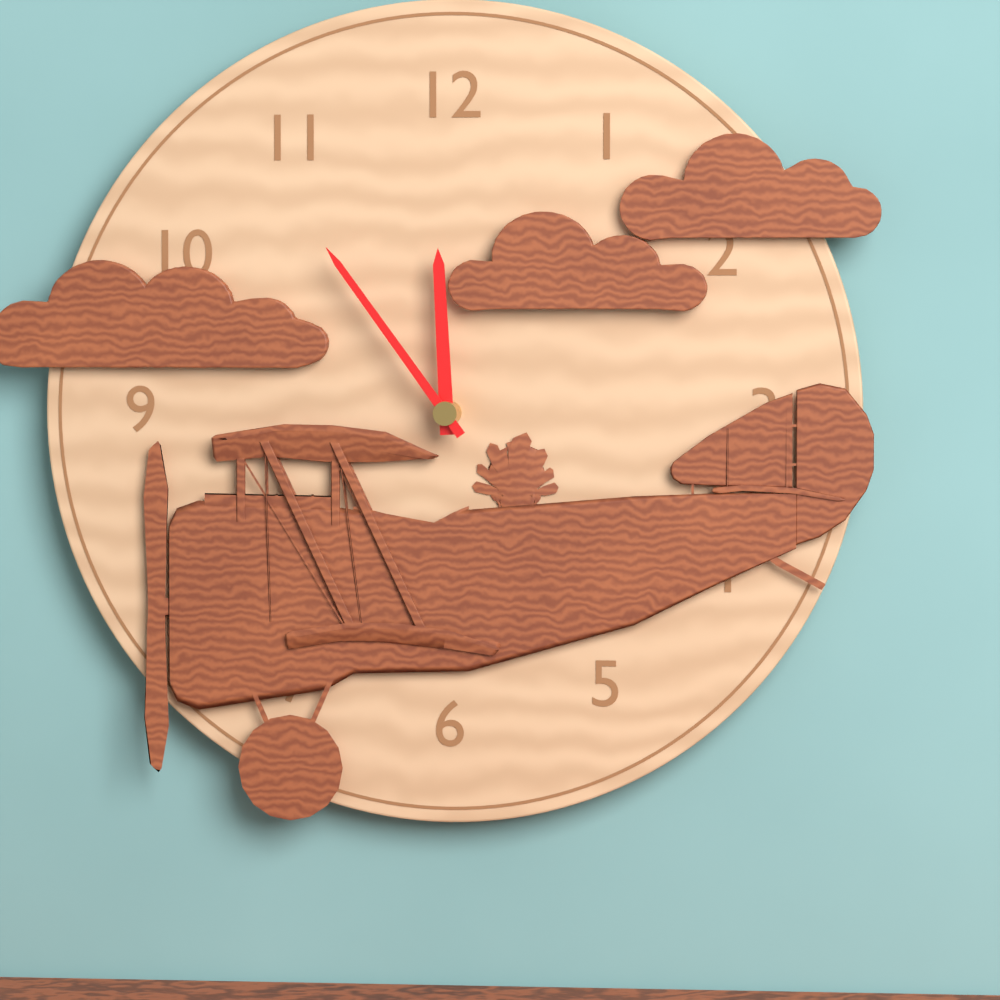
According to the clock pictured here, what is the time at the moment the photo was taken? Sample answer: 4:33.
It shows 11:54
